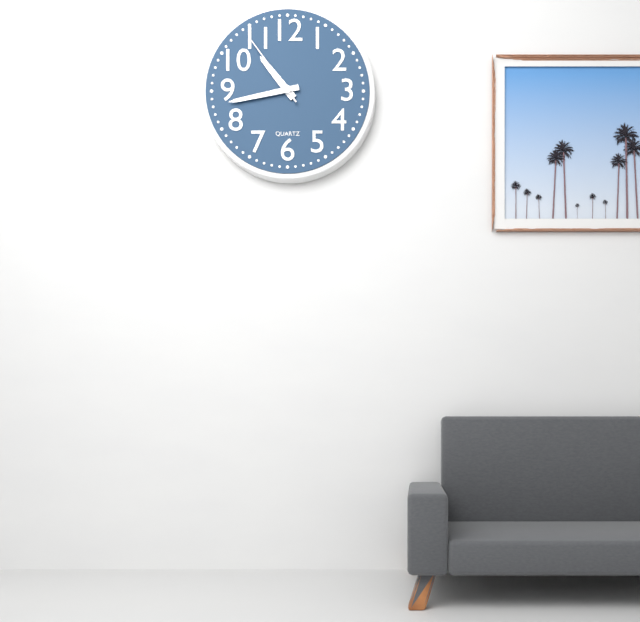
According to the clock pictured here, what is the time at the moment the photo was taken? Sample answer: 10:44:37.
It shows 10:43:54
